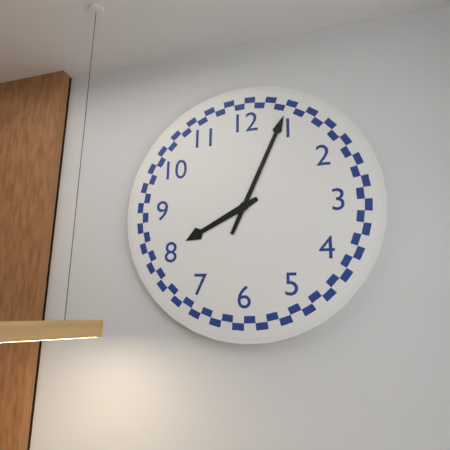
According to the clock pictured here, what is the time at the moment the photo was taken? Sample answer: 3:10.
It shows 8:04
